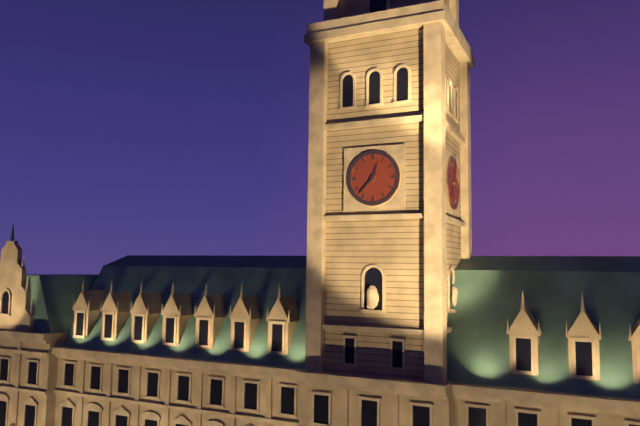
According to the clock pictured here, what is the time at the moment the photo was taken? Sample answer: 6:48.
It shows 12:37
